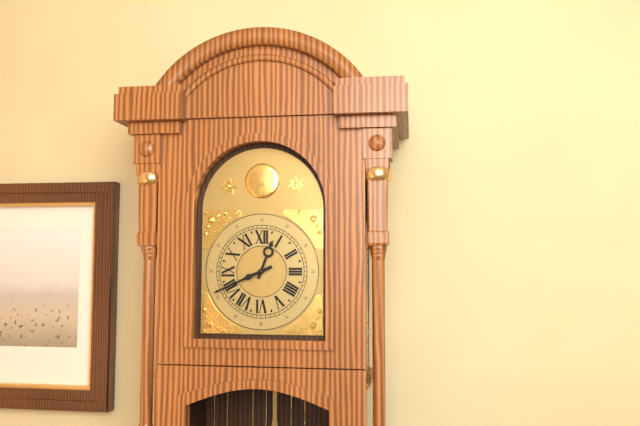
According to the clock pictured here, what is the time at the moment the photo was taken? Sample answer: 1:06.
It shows 12:41
